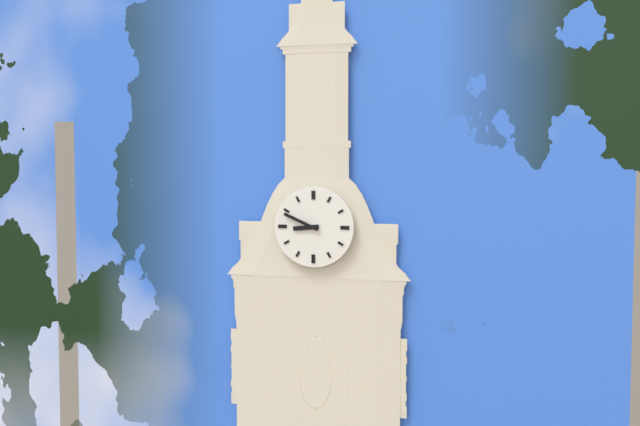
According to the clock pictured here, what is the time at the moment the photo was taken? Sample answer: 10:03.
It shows 8:49
